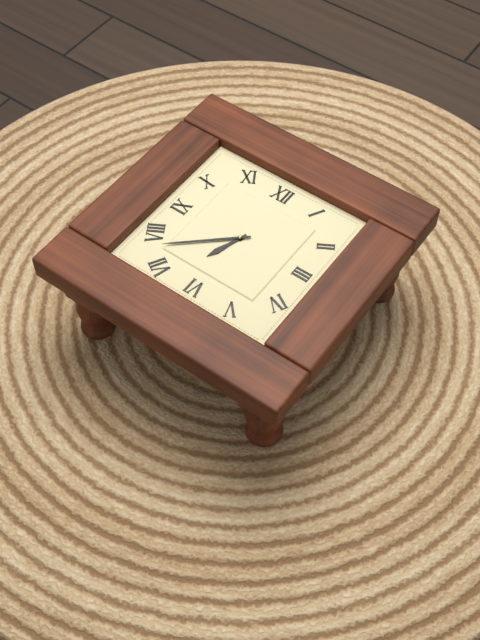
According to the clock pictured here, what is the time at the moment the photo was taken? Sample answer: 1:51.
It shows 6:38
